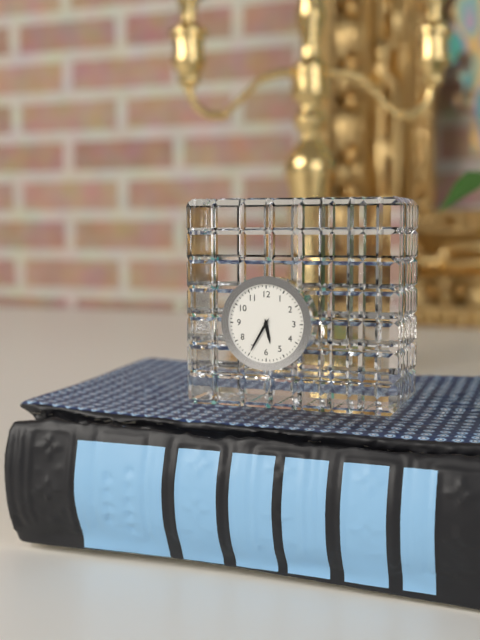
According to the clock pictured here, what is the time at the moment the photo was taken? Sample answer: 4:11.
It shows 5:35
